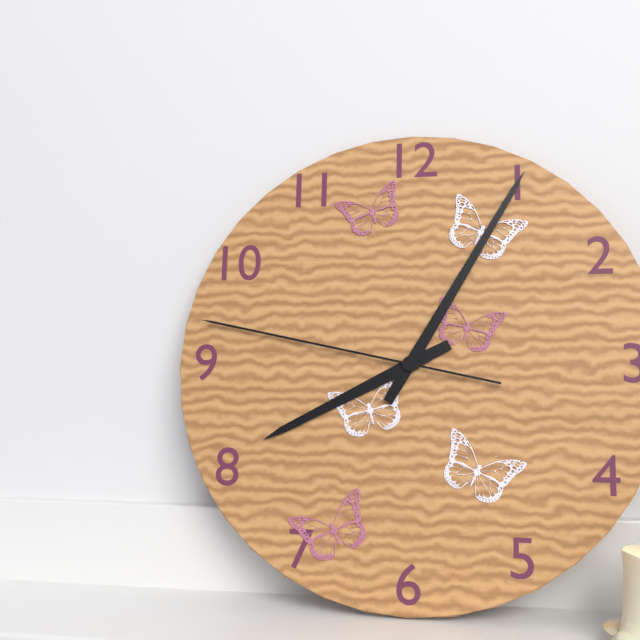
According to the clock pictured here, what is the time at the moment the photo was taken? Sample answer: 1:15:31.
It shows 8:05:47
